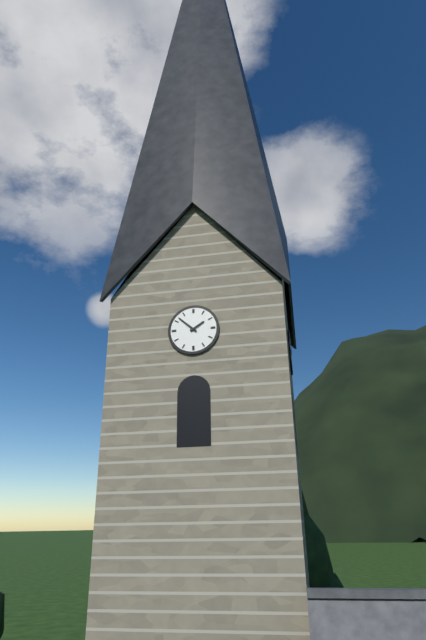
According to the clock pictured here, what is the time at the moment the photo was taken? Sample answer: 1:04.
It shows 1:52
